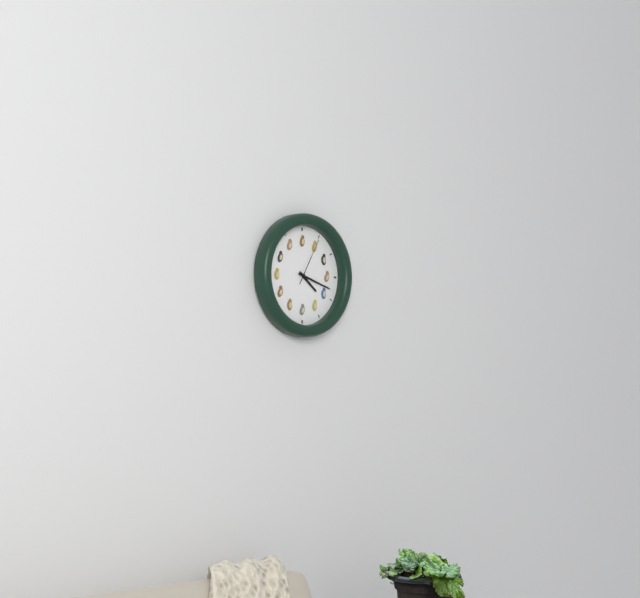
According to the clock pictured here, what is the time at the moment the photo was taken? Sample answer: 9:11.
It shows 4:18
